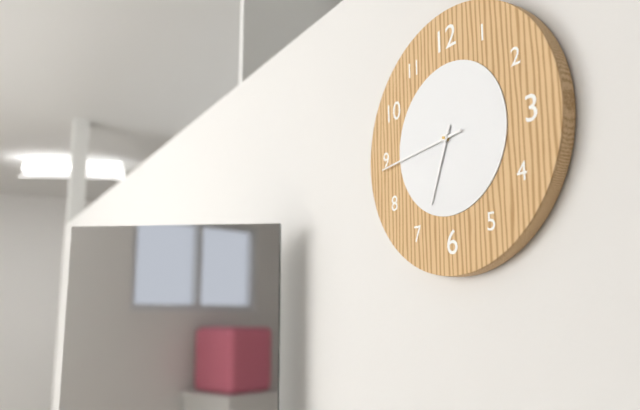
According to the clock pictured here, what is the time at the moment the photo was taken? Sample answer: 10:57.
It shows 6:44
